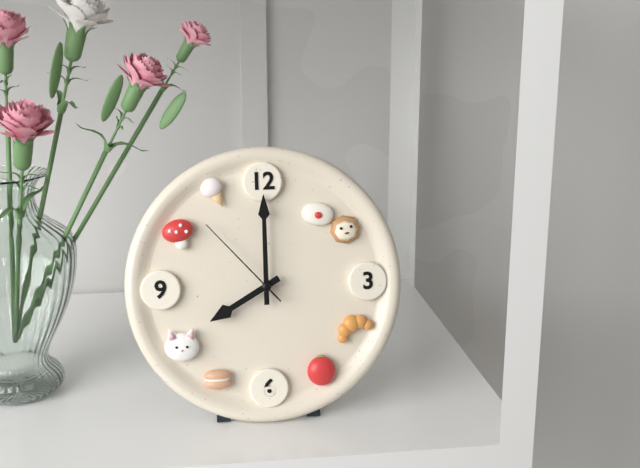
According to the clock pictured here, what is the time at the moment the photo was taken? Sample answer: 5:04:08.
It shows 8:00:53
